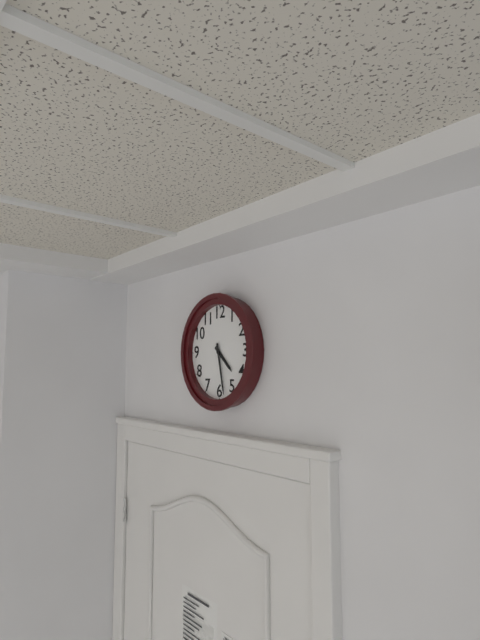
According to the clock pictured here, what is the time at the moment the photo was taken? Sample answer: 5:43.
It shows 4:28
